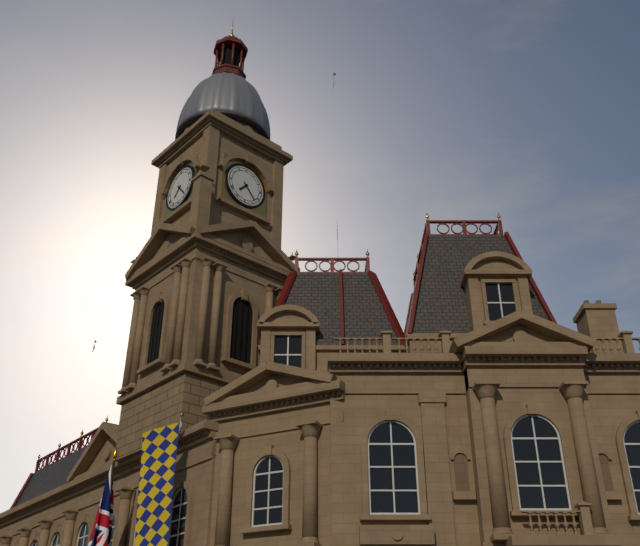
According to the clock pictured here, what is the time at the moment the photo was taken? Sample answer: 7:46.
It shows 7:23
